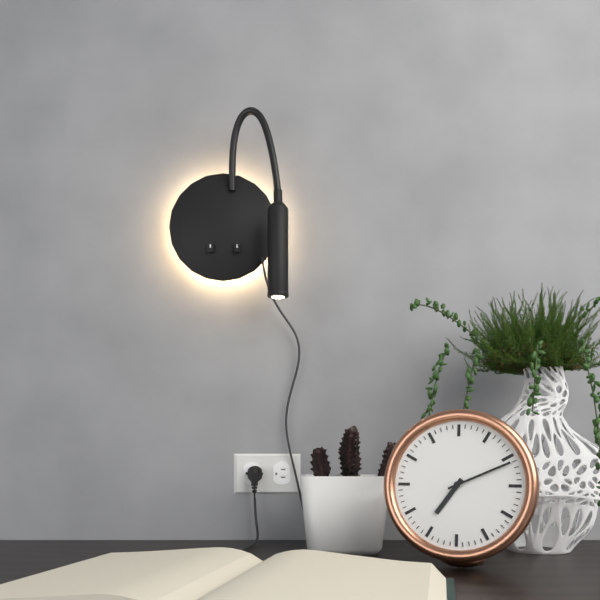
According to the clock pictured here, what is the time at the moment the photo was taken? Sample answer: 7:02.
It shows 7:11
